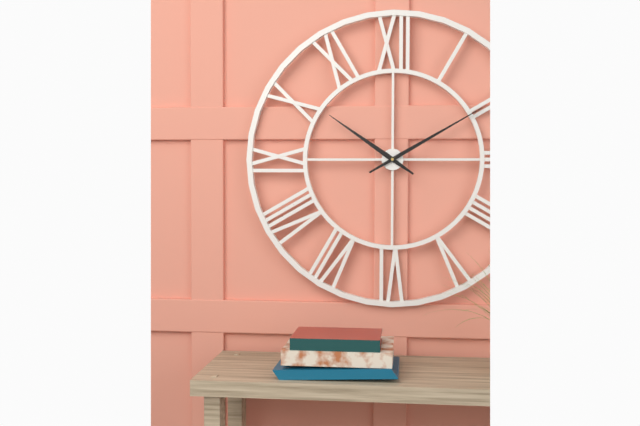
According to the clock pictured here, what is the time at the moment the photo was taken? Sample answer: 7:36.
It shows 10:10
